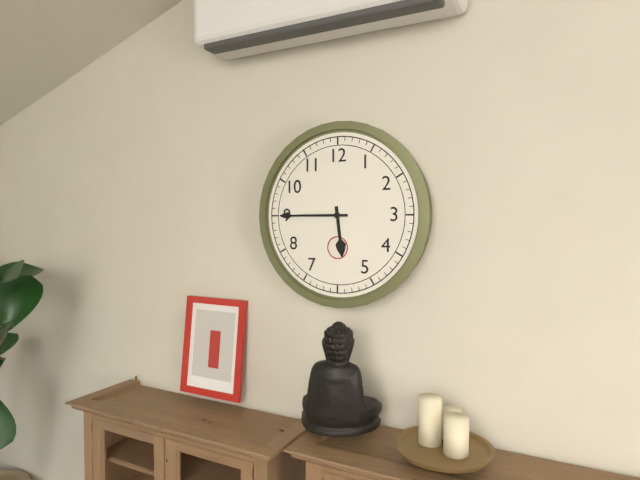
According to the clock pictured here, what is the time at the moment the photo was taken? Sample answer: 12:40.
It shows 5:45
